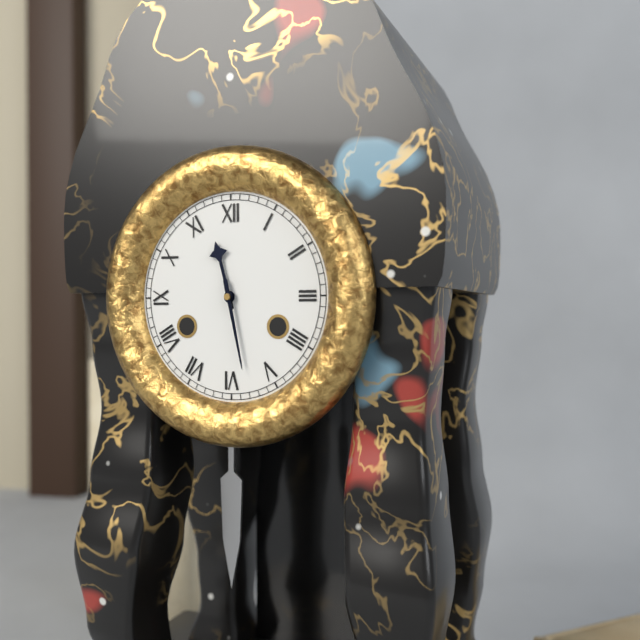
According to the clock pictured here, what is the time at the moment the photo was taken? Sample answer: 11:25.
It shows 11:28
